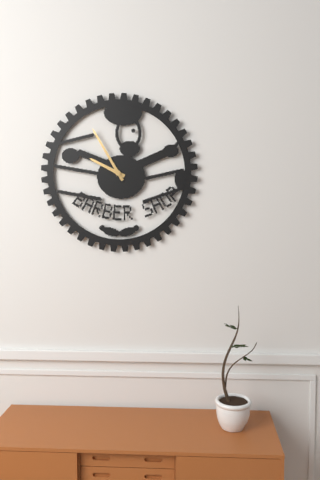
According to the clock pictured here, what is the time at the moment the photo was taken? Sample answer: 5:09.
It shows 9:55
